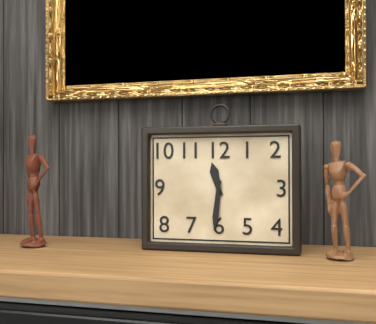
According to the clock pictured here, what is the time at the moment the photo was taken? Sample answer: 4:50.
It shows 11:31
